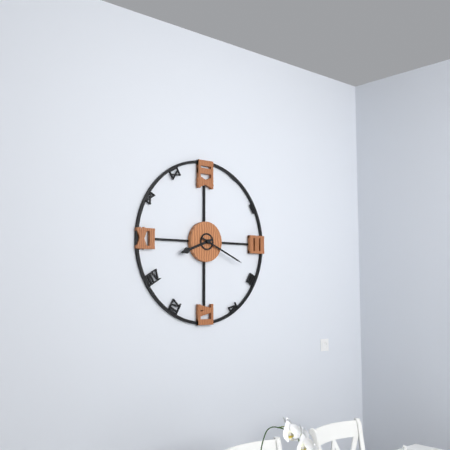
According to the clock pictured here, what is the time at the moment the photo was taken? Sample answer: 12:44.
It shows 8:19
